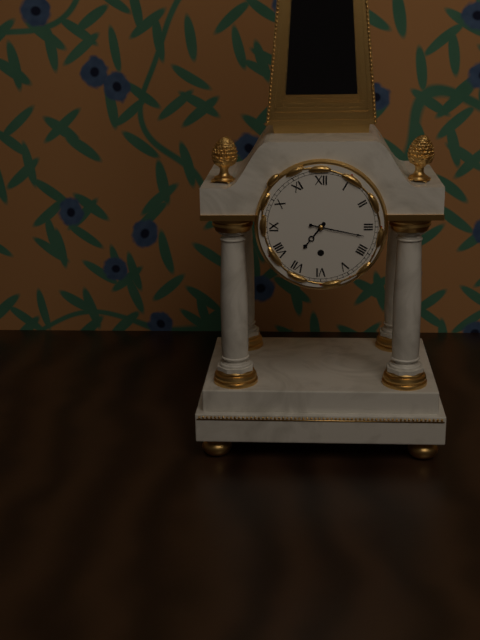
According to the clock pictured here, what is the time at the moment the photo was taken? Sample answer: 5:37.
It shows 7:17
